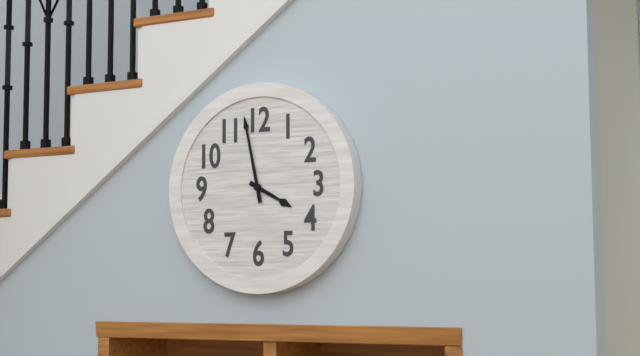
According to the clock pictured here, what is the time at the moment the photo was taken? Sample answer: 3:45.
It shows 3:58
